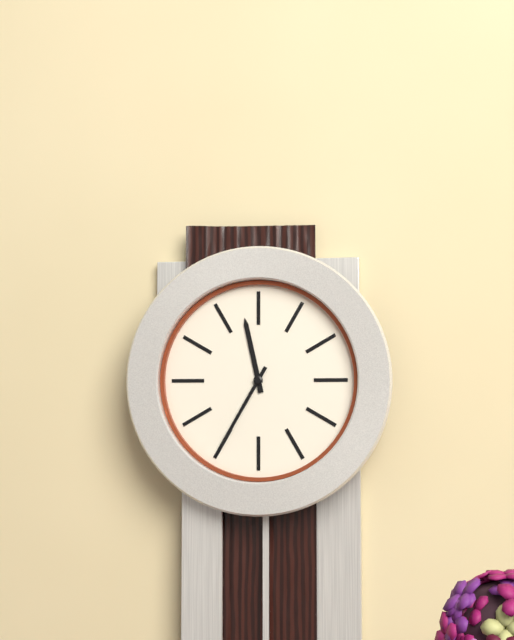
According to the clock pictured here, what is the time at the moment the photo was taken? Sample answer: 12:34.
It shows 11:35
